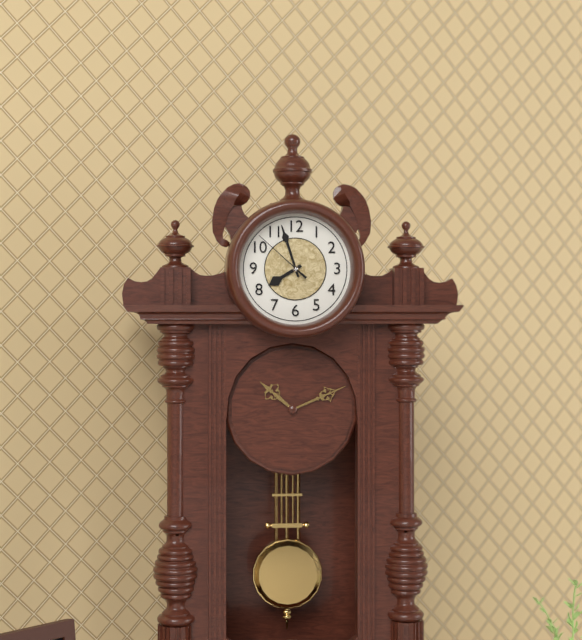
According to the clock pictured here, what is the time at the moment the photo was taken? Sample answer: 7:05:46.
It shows 7:57:52
